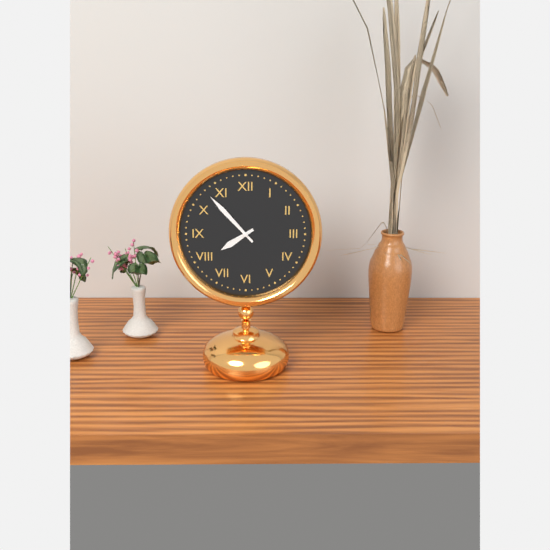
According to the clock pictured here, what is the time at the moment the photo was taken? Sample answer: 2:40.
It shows 7:53
